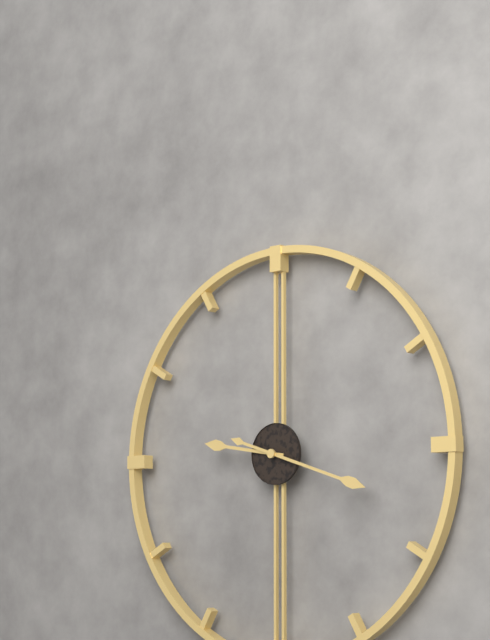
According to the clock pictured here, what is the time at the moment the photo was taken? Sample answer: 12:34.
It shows 9:18
